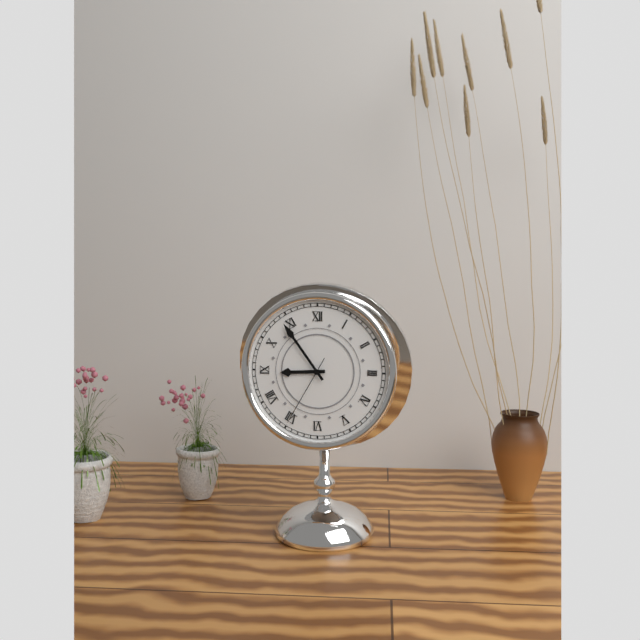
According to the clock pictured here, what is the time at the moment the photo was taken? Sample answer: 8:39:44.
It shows 8:54:35
